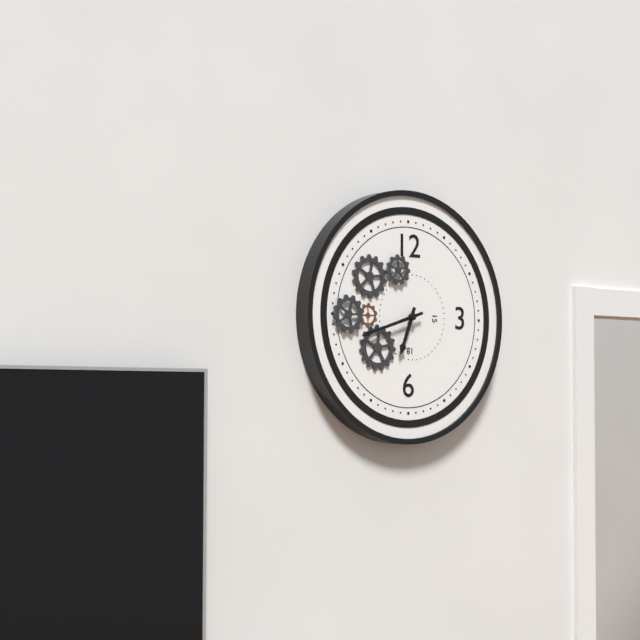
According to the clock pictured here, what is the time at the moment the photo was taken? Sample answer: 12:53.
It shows 6:42
